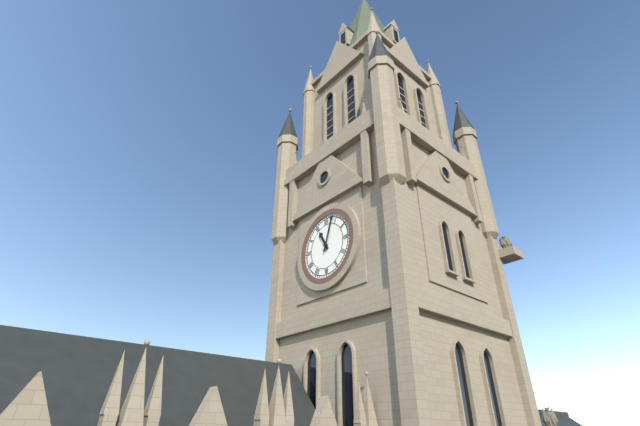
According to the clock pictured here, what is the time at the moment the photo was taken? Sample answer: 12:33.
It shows 11:03
